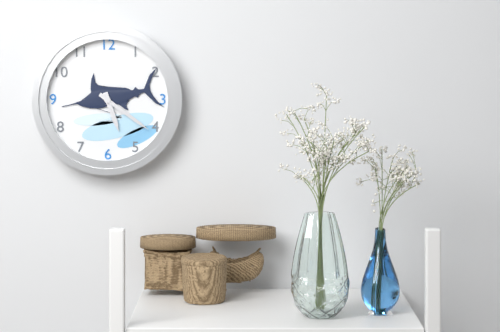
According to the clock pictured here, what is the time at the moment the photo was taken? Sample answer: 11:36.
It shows 5:21
